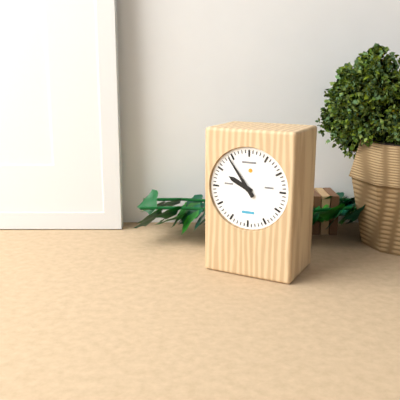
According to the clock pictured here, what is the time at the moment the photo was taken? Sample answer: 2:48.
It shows 9:54
